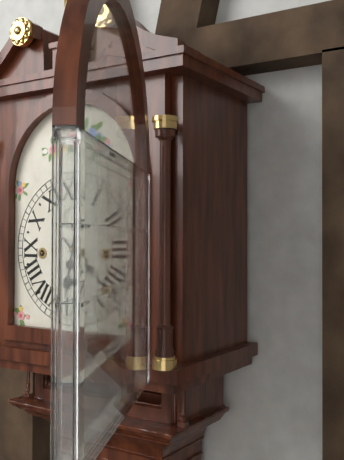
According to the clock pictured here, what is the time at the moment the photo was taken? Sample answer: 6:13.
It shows 6:22
